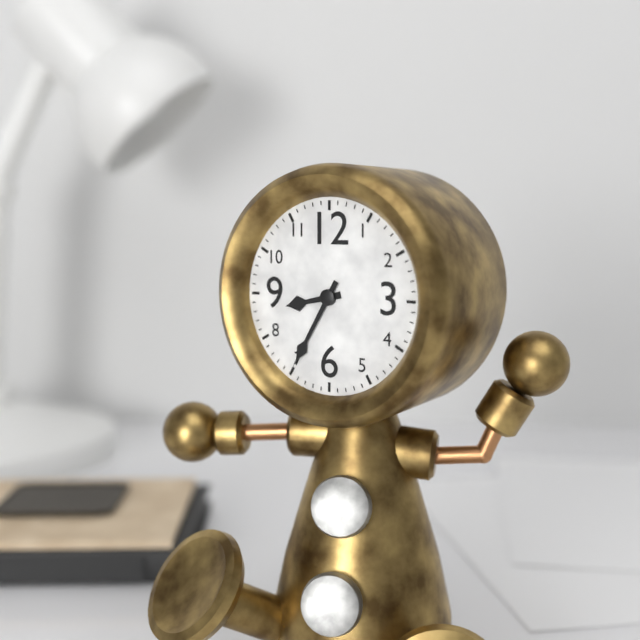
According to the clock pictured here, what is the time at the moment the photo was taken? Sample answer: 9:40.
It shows 8:35
